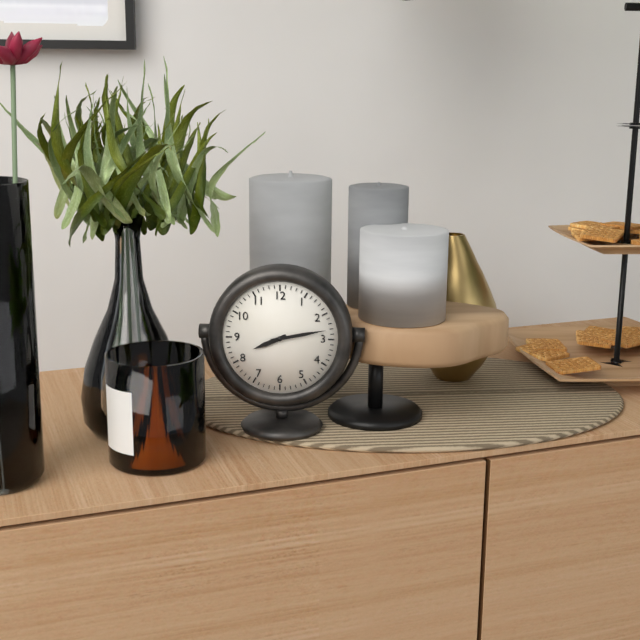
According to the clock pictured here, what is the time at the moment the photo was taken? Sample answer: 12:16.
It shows 8:13
